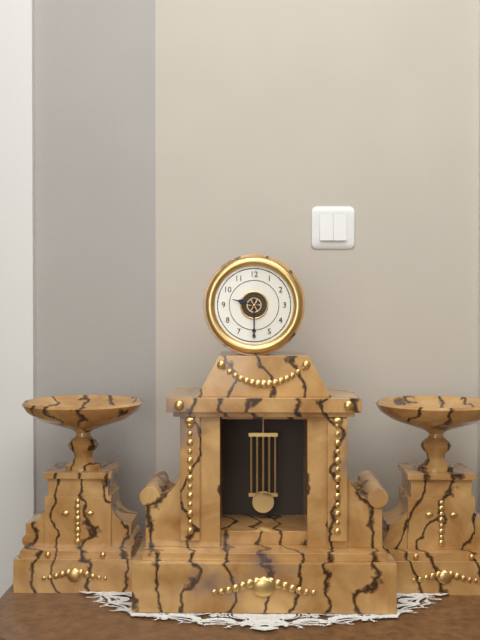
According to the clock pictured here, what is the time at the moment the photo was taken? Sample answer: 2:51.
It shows 9:30
